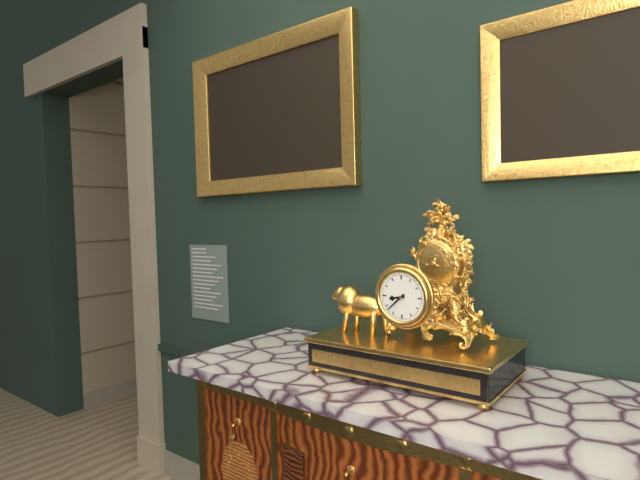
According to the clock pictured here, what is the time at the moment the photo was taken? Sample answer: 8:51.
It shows 8:38
